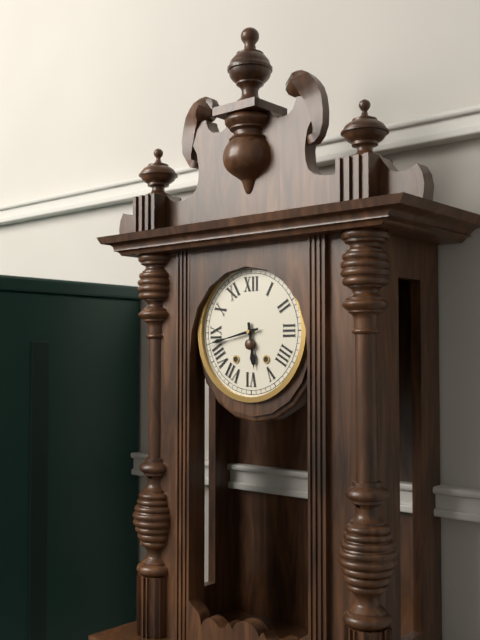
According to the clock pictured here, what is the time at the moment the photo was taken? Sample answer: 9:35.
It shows 5:43
